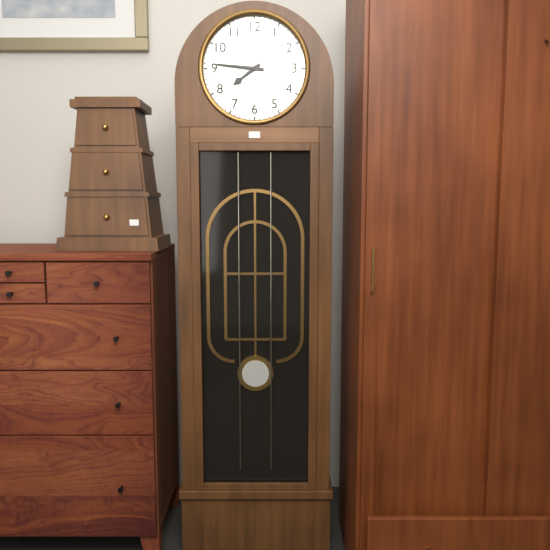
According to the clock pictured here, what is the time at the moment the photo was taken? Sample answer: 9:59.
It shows 7:46
